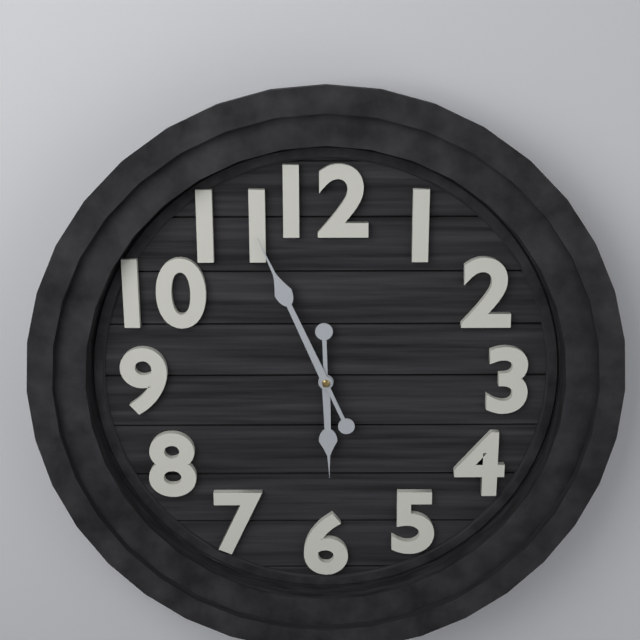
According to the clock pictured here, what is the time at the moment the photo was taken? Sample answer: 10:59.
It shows 5:56
